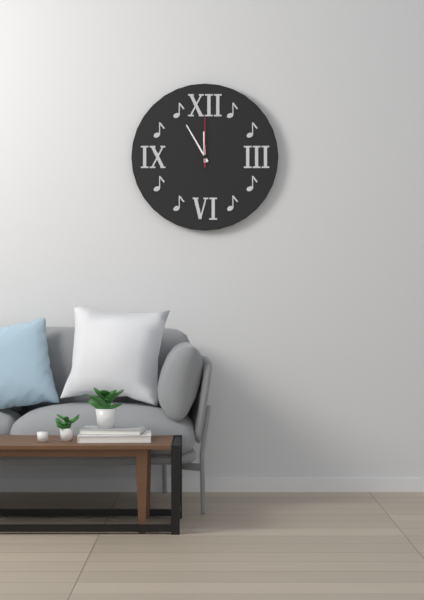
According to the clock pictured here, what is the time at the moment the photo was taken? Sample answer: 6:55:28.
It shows 11:55:00
